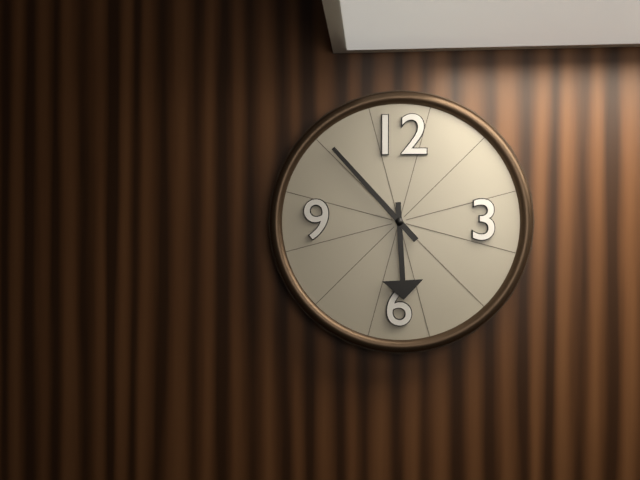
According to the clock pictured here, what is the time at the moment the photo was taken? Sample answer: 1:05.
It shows 5:53
